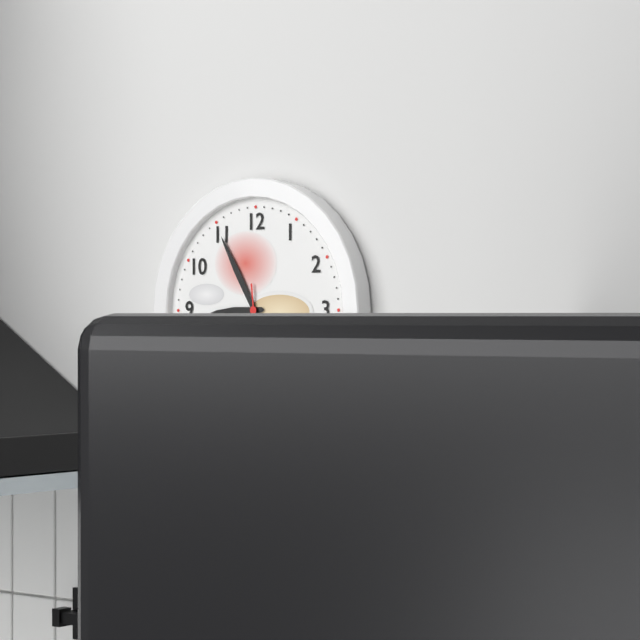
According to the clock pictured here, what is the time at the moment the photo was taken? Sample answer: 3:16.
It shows 8:55
